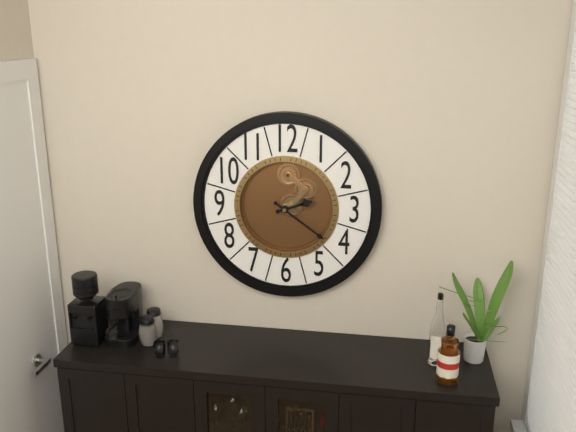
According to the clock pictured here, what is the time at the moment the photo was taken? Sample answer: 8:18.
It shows 2:21
